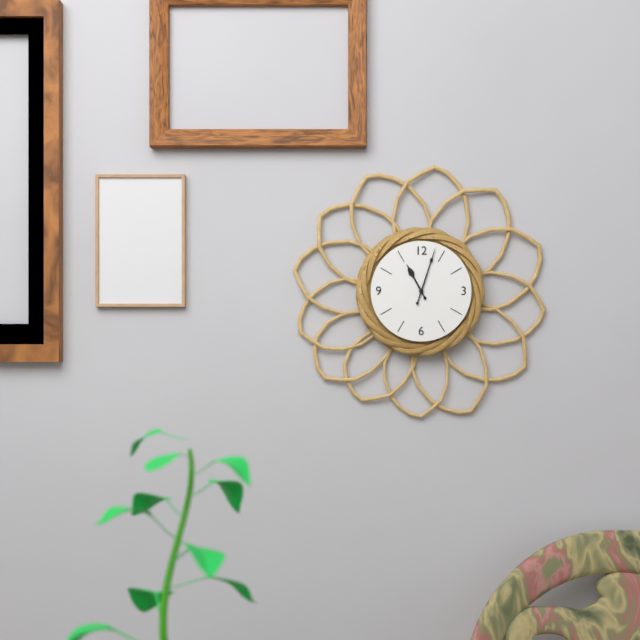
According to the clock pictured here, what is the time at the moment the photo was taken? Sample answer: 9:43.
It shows 11:03
